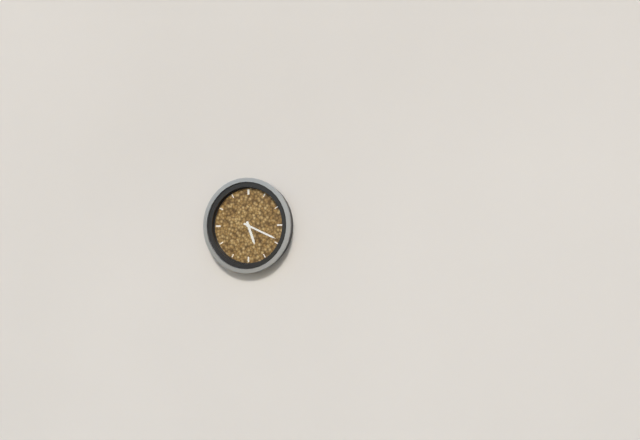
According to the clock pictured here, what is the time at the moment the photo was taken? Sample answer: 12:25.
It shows 5:19
